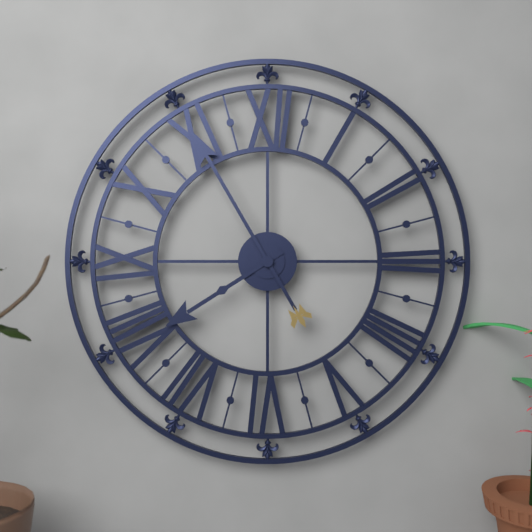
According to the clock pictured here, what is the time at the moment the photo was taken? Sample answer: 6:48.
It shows 7:55
